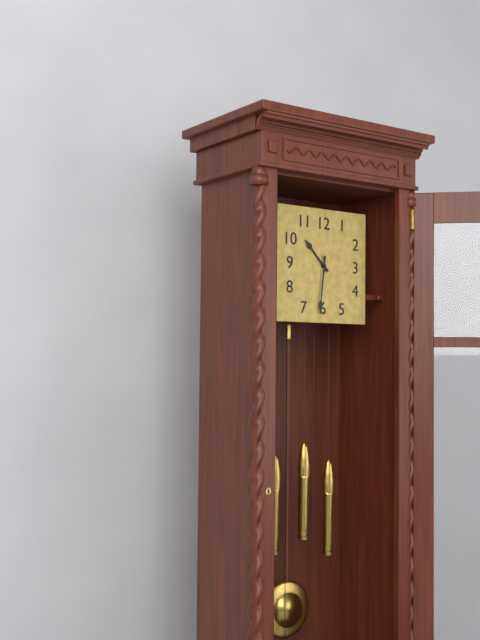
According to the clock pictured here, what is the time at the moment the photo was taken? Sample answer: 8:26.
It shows 10:31
